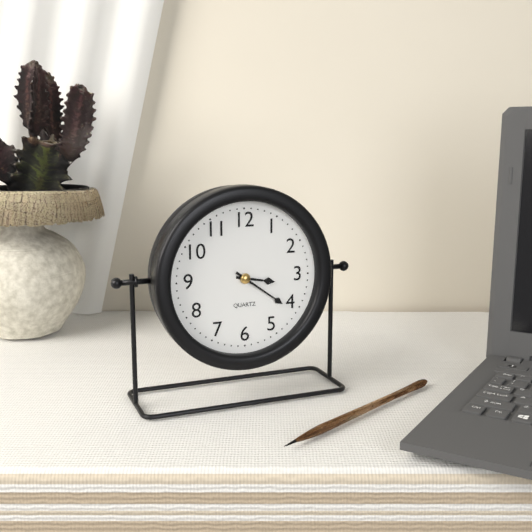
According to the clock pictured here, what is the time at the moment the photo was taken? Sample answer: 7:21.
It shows 3:21
